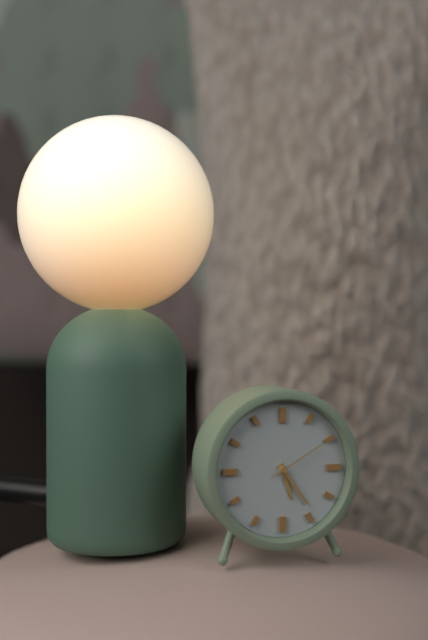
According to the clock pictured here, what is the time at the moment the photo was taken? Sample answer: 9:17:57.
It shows 5:24:10
